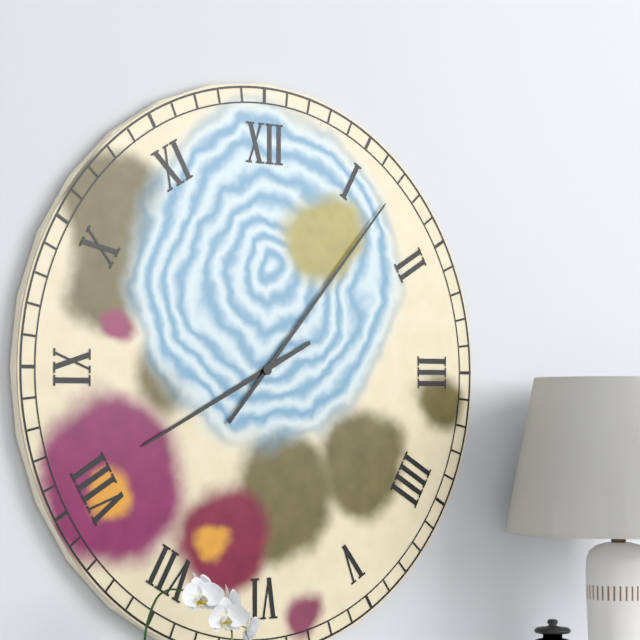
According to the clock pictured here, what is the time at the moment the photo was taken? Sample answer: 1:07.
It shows 8:07
